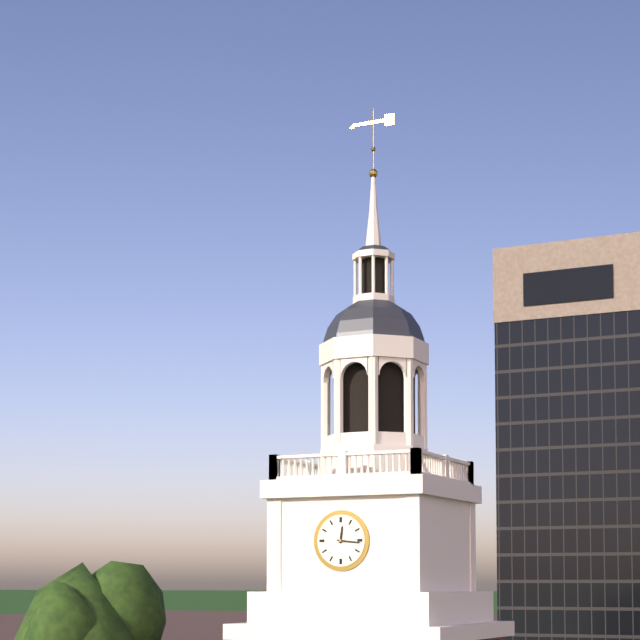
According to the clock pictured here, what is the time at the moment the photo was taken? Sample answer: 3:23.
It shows 12:16
